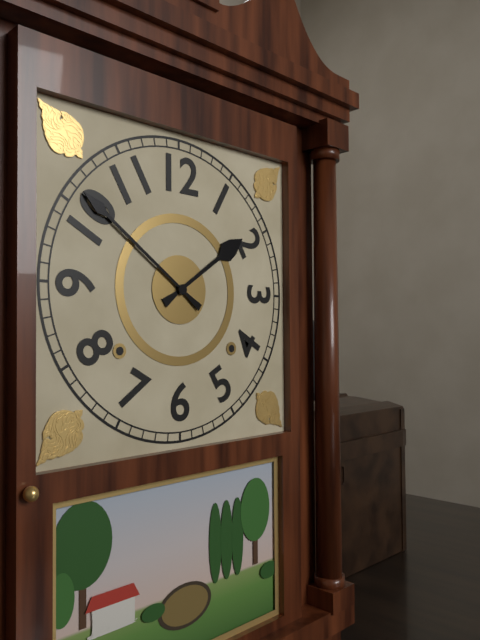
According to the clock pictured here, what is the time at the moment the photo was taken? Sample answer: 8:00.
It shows 1:51
